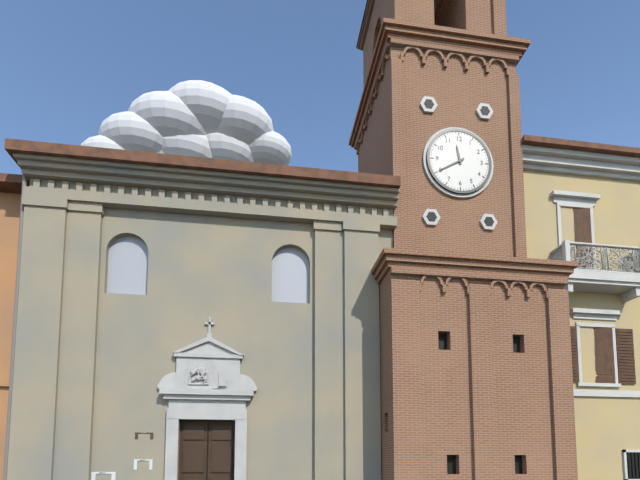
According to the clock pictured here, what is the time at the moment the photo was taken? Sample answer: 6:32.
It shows 11:40
